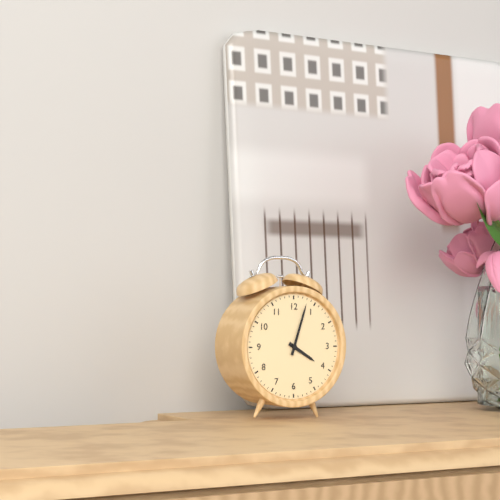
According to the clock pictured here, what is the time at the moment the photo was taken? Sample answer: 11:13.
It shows 4:03
